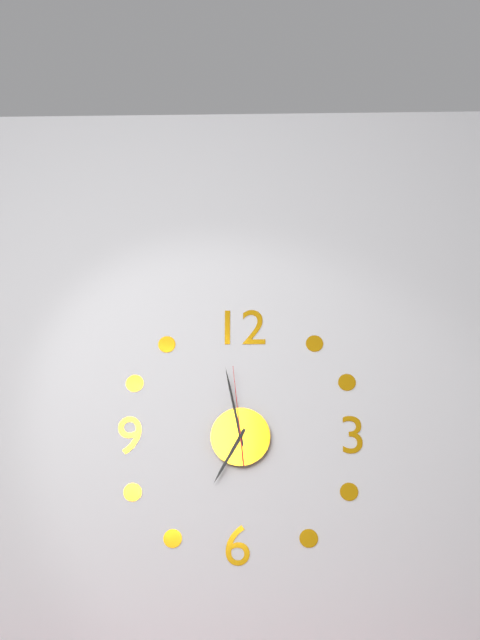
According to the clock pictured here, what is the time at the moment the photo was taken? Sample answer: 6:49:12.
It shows 6:58:59
